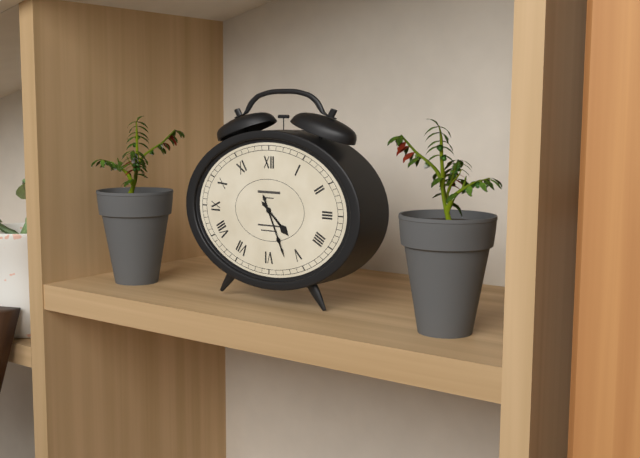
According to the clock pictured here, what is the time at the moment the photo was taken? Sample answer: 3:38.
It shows 4:26
